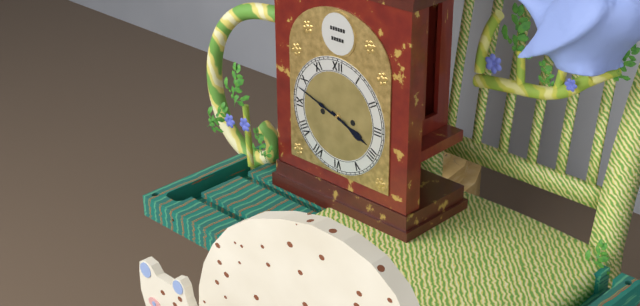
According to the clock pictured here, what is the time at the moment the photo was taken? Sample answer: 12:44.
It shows 3:48
